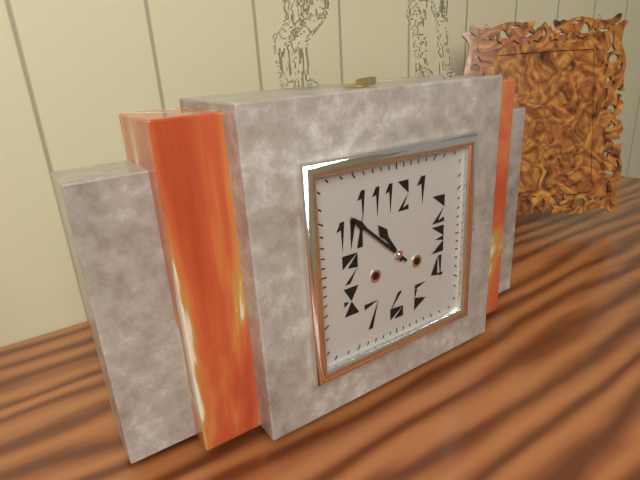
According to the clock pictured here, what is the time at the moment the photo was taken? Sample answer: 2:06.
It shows 10:52
